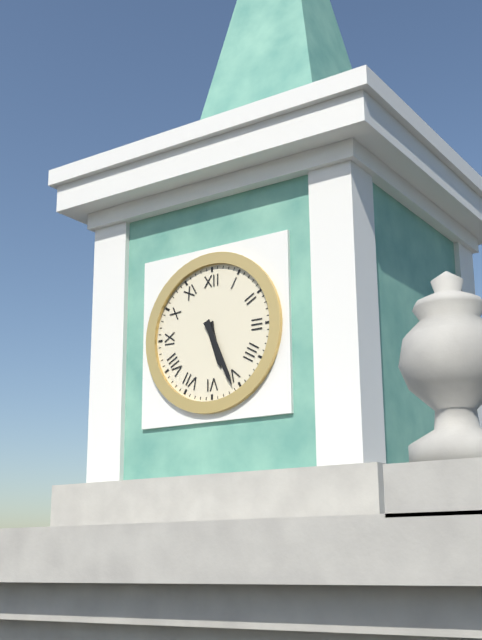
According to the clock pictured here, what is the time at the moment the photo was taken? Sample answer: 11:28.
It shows 5:26
